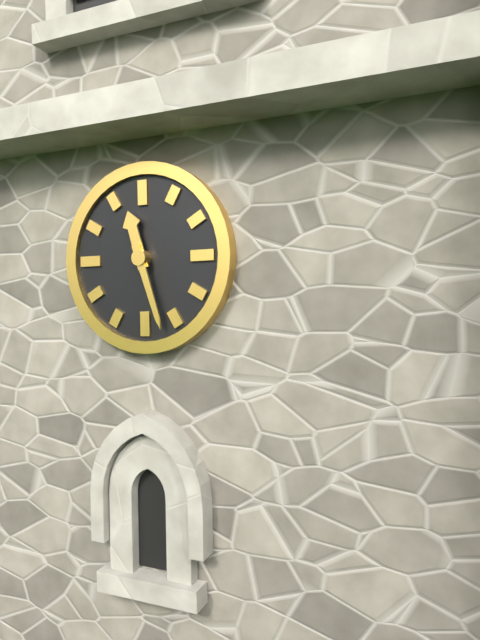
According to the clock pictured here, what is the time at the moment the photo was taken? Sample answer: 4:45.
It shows 11:27
